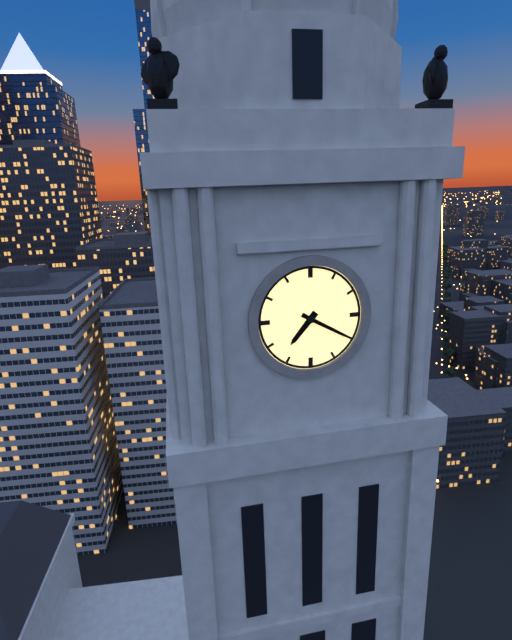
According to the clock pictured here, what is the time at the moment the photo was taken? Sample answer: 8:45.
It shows 7:20
